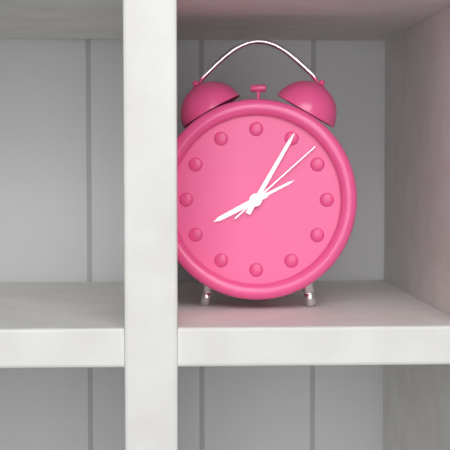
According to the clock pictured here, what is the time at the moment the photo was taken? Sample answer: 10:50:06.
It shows 8:05:08
